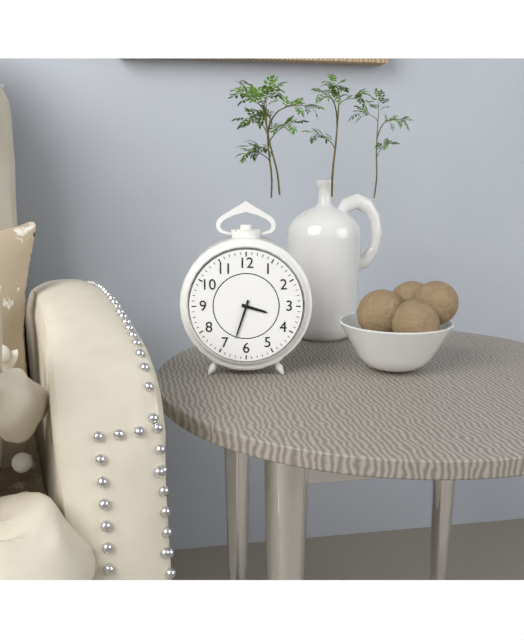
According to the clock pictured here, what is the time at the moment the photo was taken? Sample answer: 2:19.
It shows 3:33
